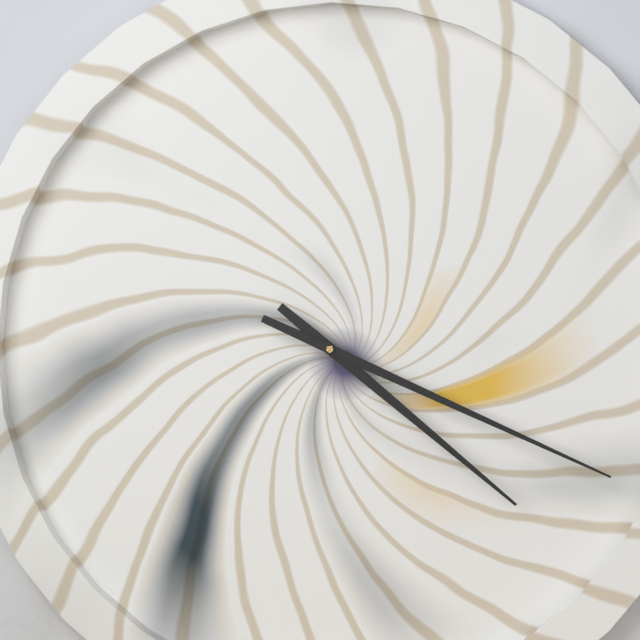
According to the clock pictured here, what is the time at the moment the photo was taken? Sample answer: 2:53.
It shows 4:19
